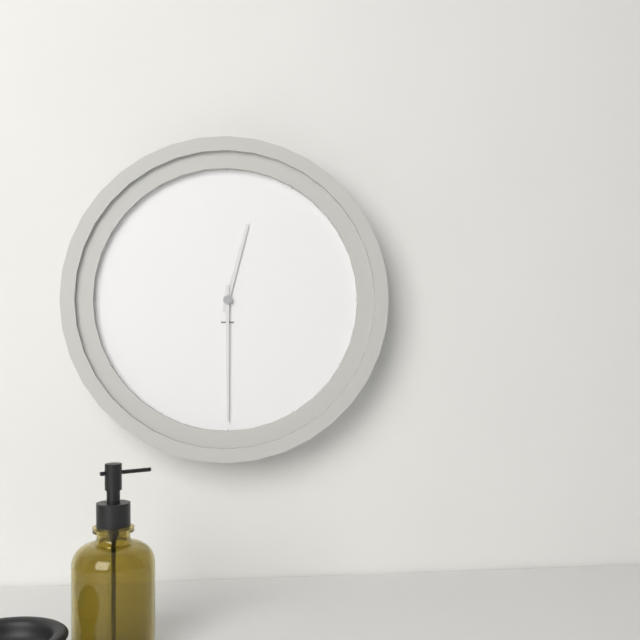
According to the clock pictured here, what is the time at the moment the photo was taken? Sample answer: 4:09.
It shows 12:30
